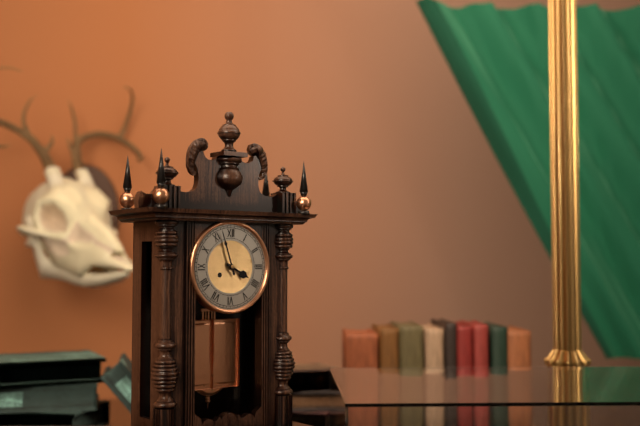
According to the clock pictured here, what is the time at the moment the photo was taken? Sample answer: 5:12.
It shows 3:57
